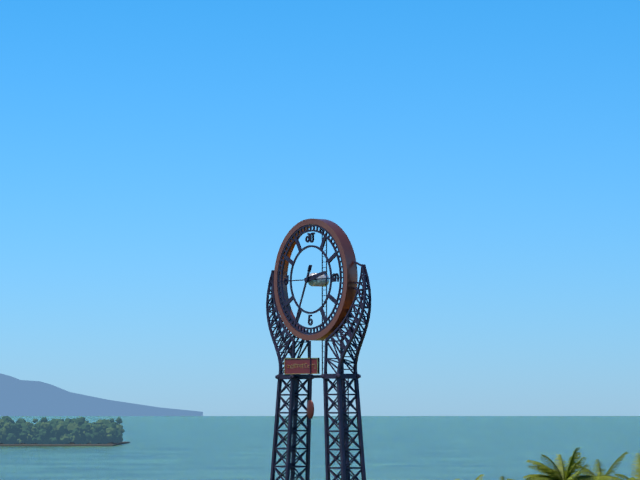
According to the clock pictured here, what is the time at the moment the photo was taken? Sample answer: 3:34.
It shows 2:34
